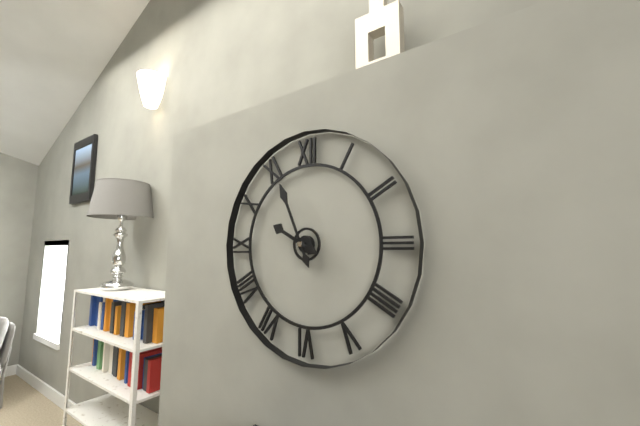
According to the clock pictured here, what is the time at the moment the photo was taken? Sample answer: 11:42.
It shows 9:56
